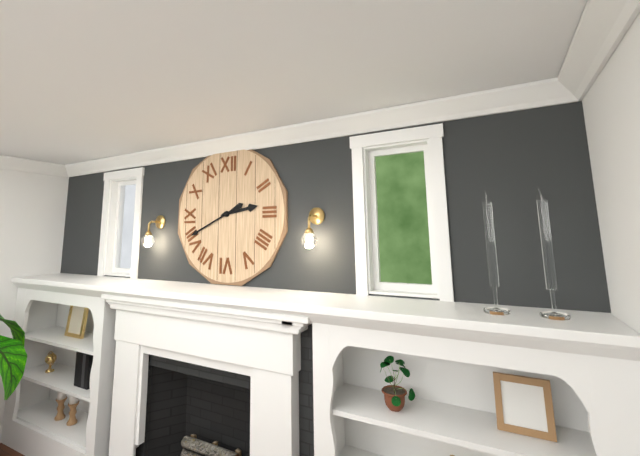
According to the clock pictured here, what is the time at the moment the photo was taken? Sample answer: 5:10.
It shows 2:41
